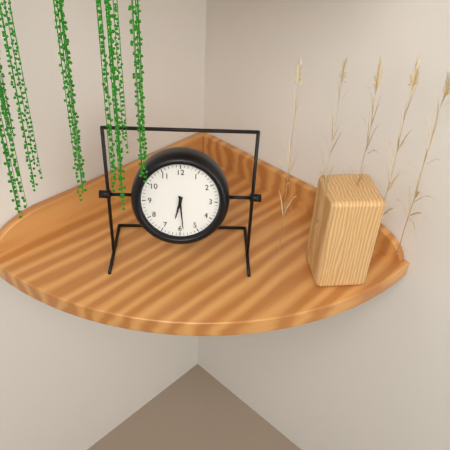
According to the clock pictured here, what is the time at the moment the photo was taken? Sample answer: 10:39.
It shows 6:29
